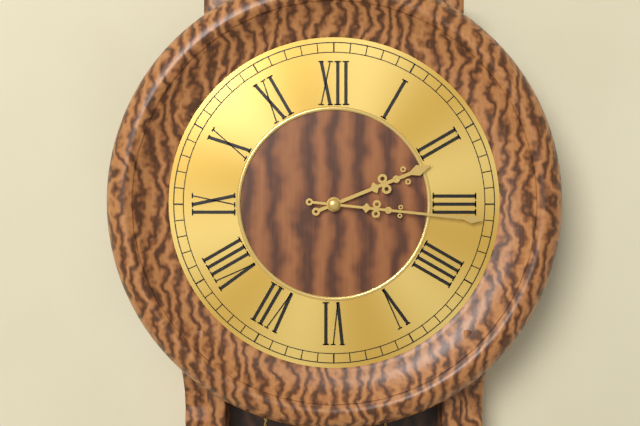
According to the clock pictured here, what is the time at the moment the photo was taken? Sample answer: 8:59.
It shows 2:16
